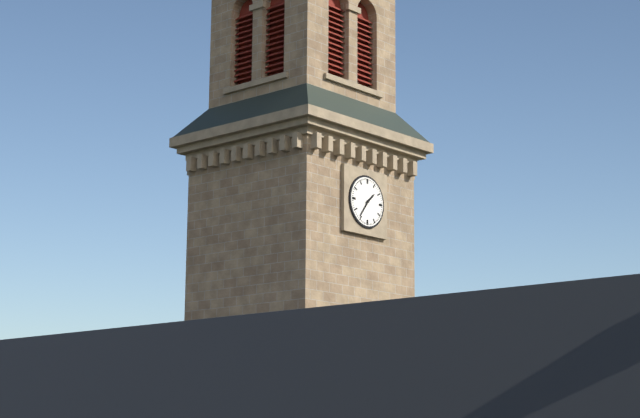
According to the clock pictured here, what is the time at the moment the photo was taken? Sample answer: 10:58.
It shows 1:36
